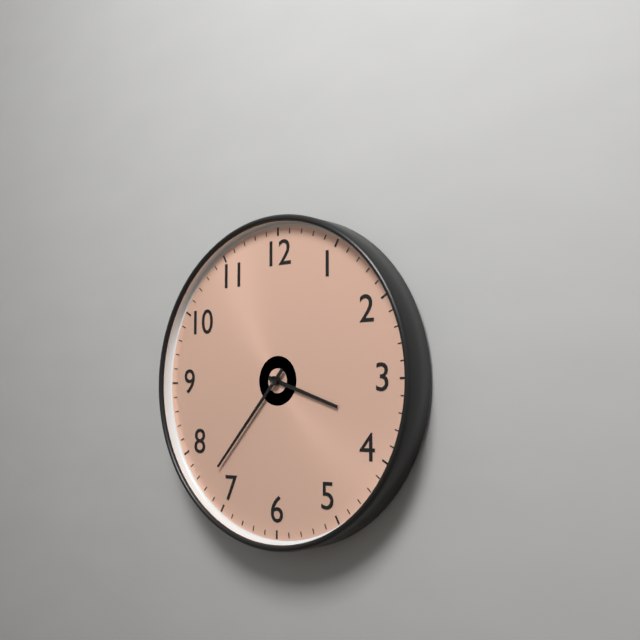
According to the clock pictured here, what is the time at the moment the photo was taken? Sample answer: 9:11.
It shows 3:37
